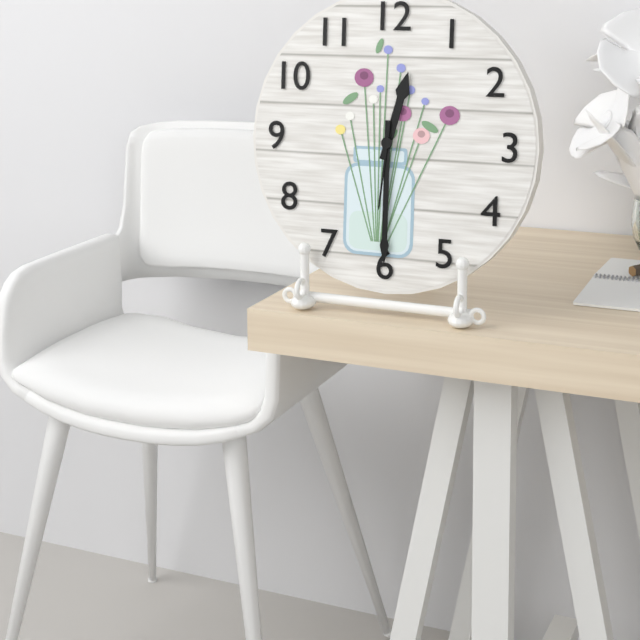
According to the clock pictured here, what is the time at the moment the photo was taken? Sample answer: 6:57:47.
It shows 12:30:31
